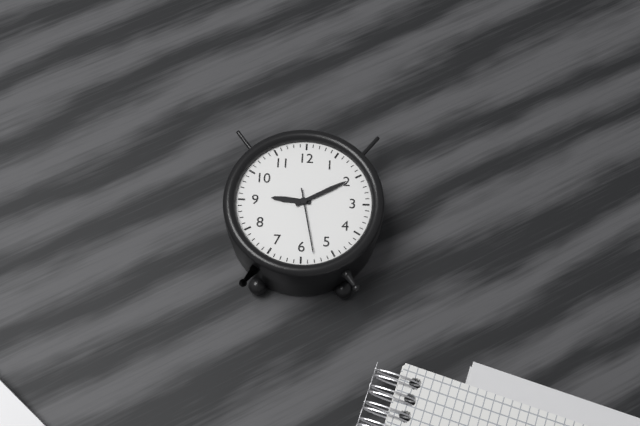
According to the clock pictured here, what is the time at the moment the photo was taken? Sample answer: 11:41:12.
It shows 9:10:28
